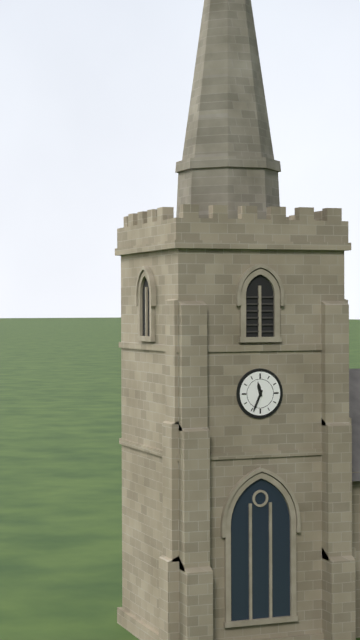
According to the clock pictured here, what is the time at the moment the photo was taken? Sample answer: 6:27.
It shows 11:34
